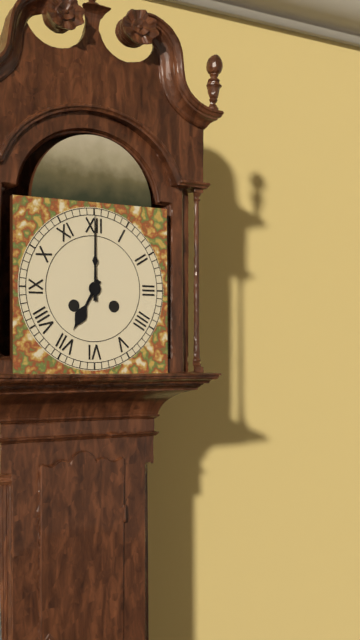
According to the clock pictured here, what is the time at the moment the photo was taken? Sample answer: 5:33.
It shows 7:00
